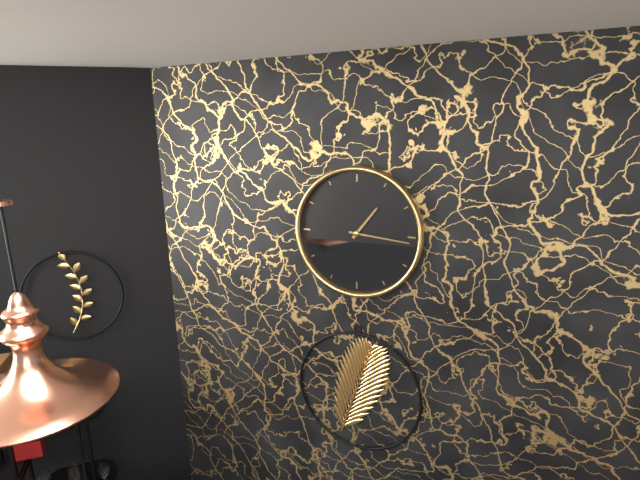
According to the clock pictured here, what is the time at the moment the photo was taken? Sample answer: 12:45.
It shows 1:16
